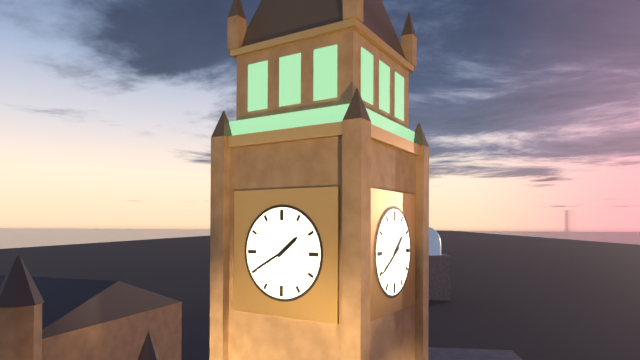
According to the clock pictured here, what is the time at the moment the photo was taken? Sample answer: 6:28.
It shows 1:40
